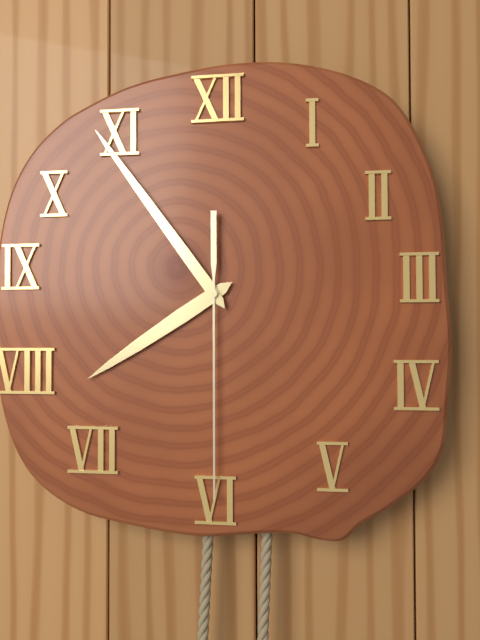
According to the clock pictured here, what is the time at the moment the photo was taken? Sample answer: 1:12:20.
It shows 7:54:30
